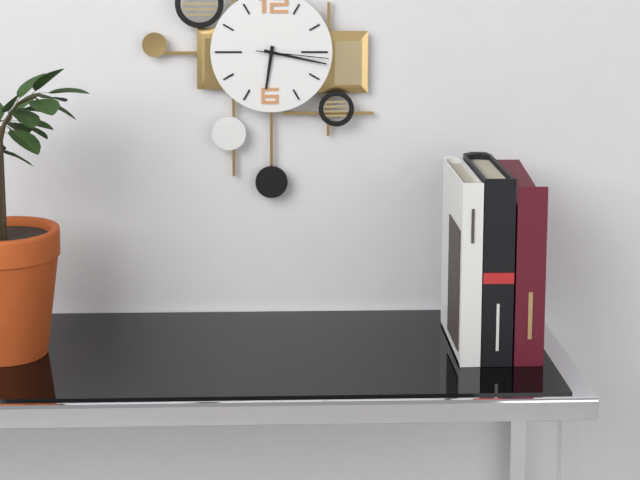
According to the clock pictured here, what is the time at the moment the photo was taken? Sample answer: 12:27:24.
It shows 6:17:16
